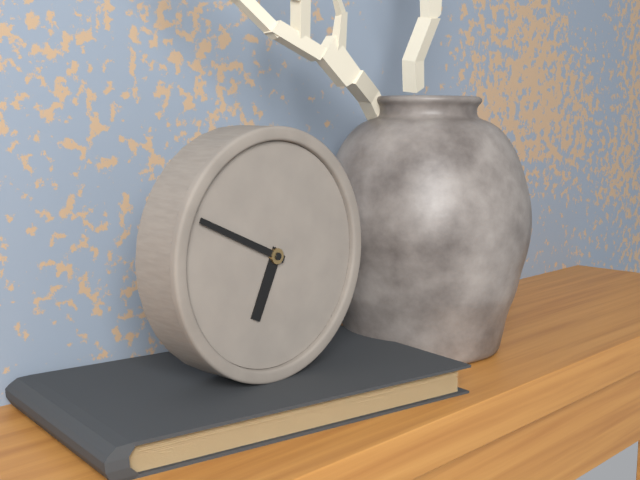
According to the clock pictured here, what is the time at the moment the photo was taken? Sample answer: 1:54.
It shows 6:49
